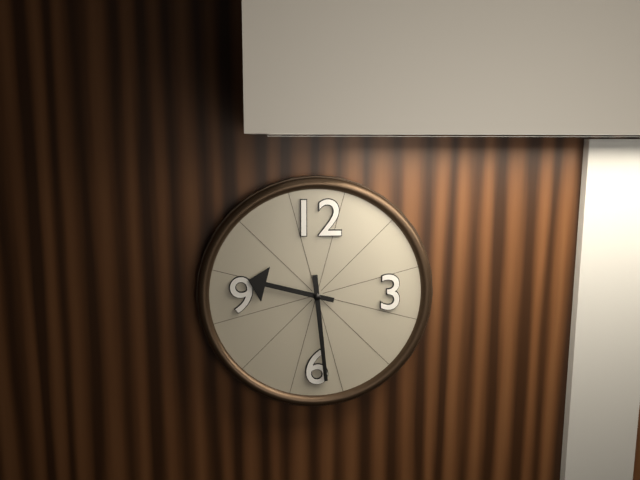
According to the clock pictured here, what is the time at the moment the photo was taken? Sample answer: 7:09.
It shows 9:29
